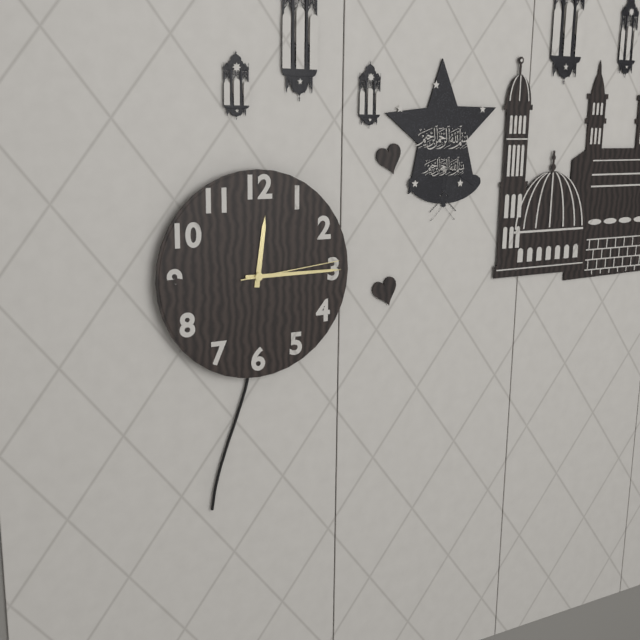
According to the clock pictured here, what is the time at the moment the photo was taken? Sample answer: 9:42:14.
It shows 12:15:14
